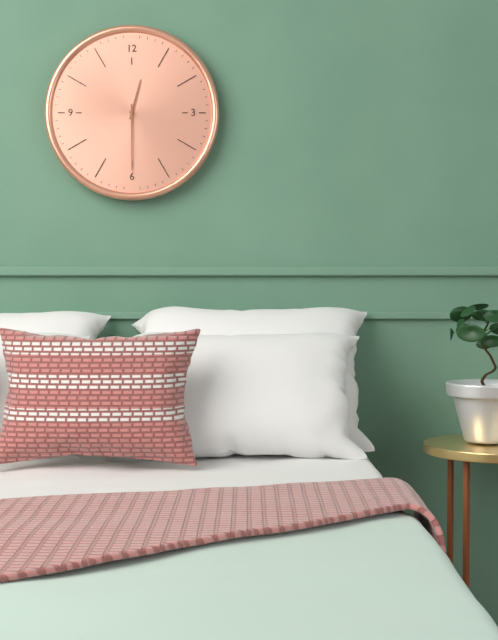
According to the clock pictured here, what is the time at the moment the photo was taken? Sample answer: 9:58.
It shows 12:30
